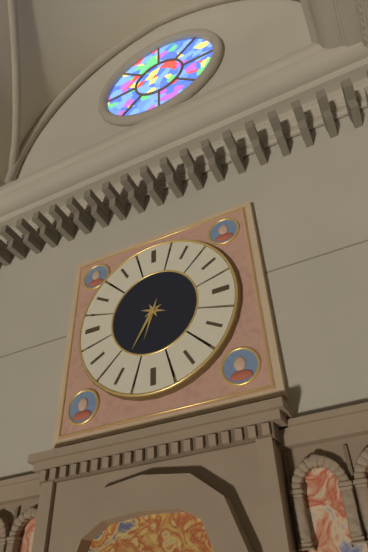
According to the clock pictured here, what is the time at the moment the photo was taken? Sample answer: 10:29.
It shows 6:35
